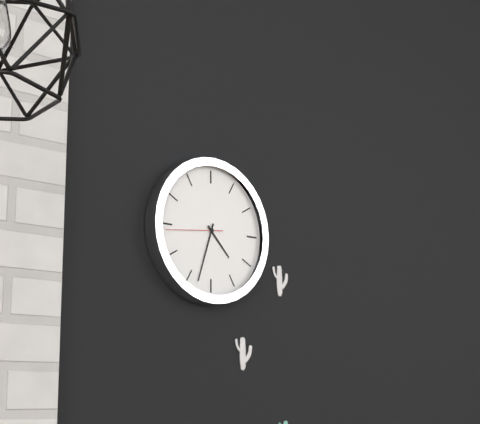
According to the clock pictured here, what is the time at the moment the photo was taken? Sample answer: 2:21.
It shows 4:33
